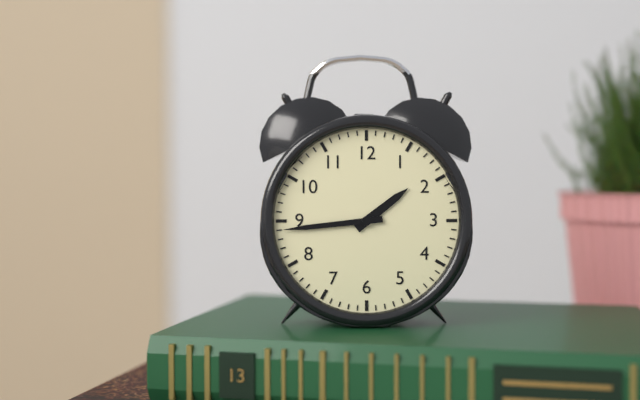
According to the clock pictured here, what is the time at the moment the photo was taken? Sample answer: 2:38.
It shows 1:44
